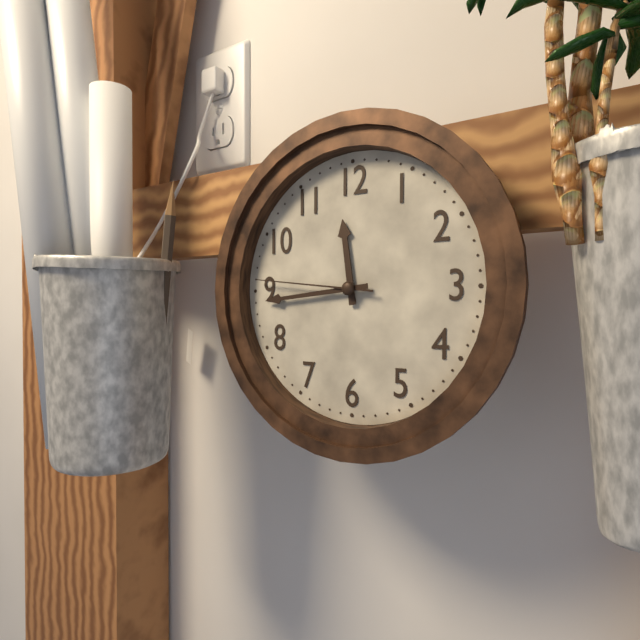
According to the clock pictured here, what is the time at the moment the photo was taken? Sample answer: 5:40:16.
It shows 11:44:46
